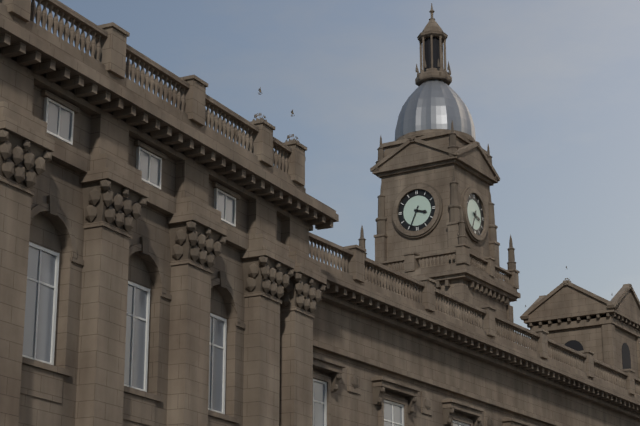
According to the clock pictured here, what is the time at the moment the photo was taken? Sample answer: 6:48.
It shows 3:34
